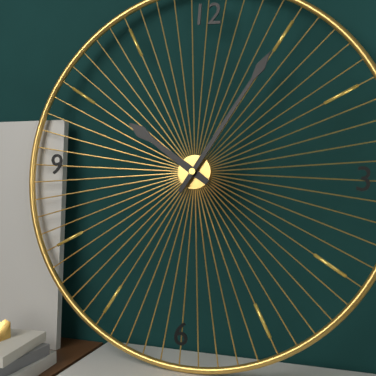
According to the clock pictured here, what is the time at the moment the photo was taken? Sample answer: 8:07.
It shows 10:05
